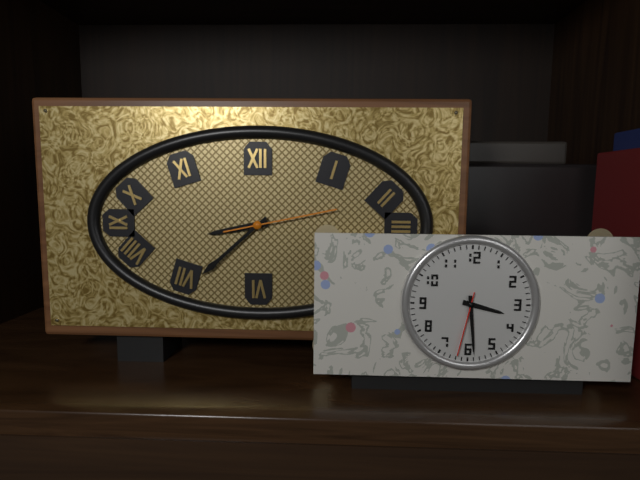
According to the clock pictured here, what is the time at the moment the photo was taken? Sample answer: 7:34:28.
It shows 8:38:13
